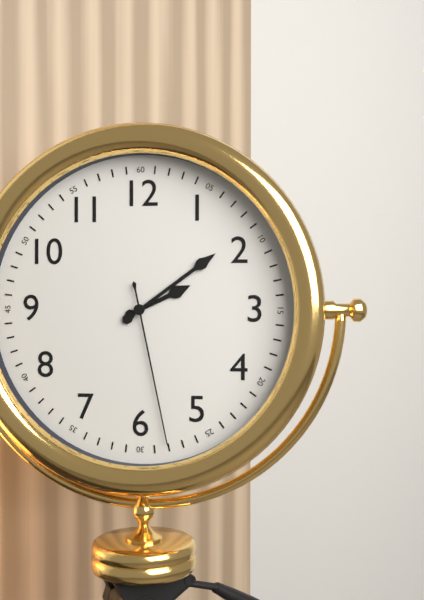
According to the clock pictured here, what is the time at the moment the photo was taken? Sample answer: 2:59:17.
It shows 2:09:28
